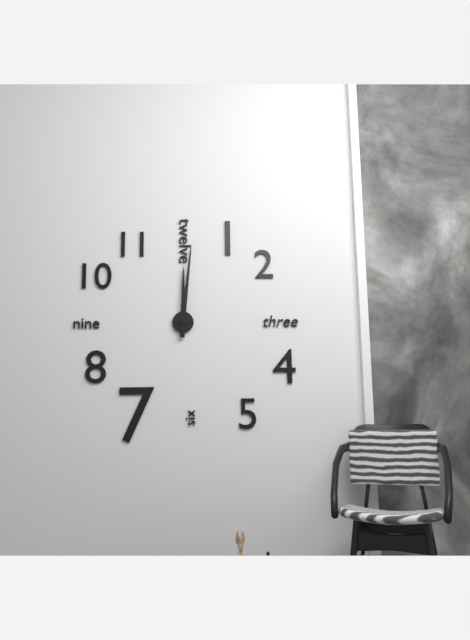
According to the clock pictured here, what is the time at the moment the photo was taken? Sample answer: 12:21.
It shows 12:01
